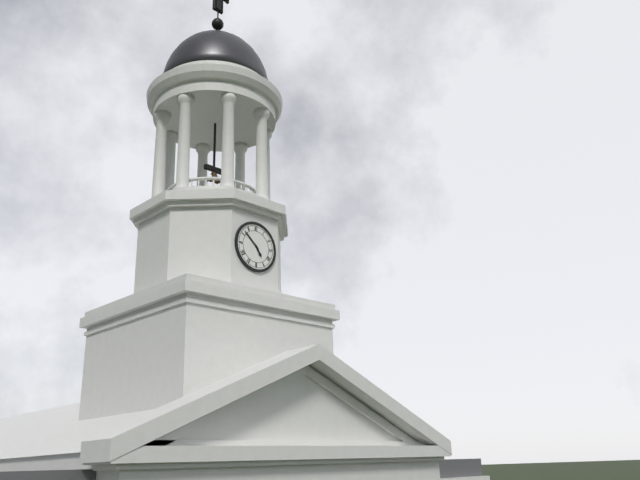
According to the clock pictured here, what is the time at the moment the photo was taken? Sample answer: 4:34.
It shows 4:52
